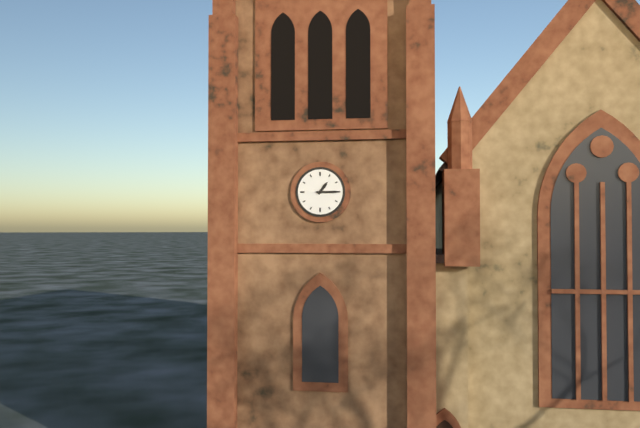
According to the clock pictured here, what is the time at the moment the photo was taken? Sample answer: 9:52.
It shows 1:15
